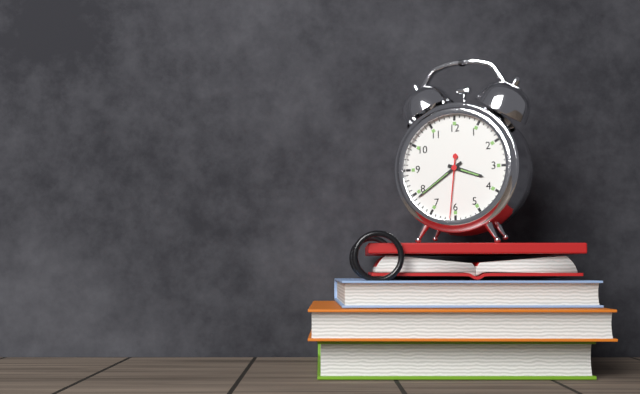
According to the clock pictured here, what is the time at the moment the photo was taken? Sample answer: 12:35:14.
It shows 3:39:31
